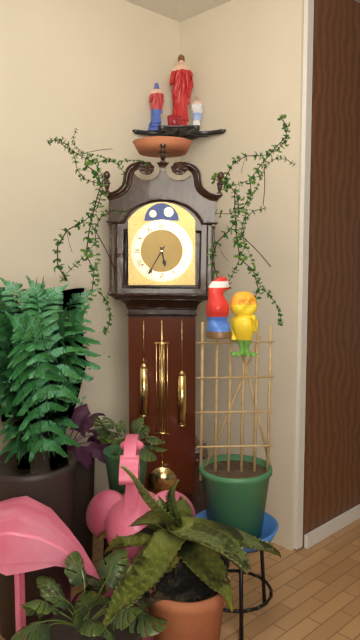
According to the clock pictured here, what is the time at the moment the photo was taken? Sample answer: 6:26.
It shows 5:35
